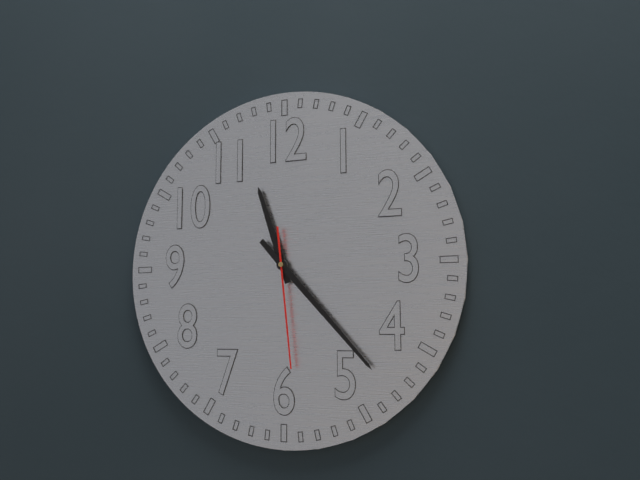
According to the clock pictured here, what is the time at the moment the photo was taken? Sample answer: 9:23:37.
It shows 11:23:29
